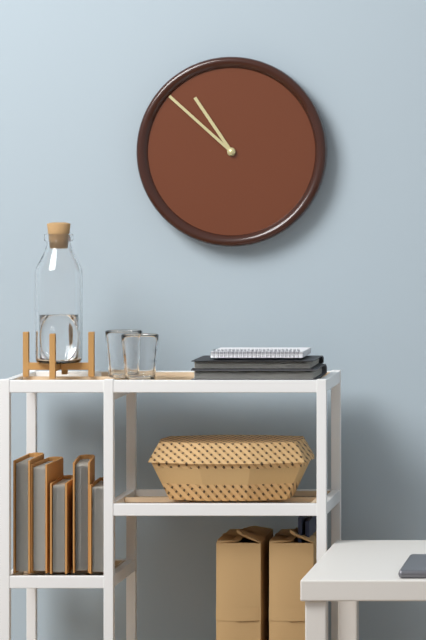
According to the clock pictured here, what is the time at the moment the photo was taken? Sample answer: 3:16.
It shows 10:52
